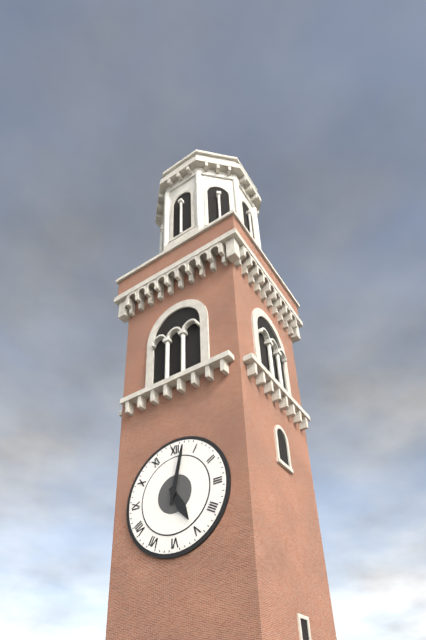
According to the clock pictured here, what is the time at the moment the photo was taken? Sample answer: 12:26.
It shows 5:02
